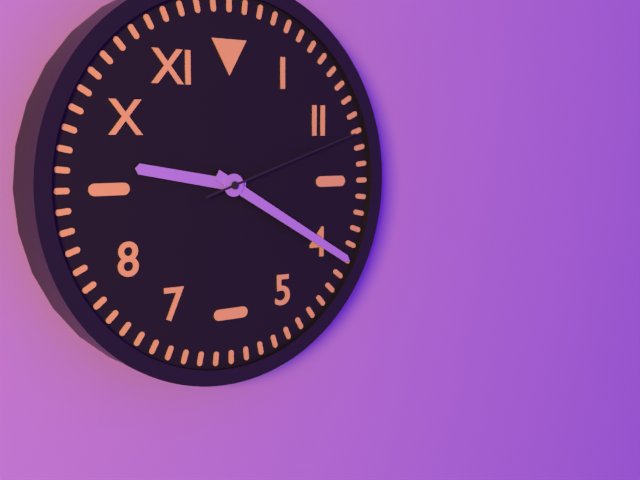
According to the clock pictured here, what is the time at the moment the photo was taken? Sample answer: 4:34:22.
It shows 9:20:12
